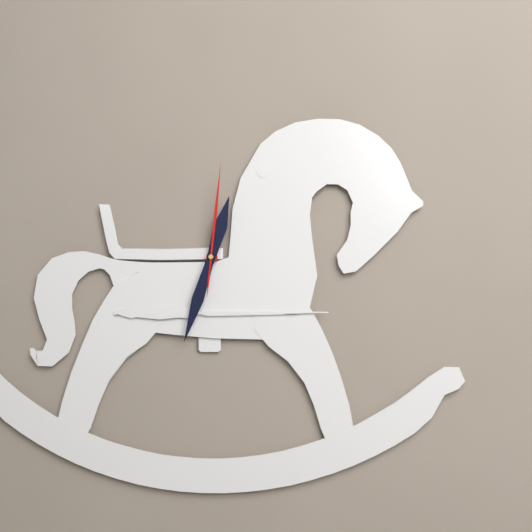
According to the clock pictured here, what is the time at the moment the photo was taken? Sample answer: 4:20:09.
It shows 12:33:01
